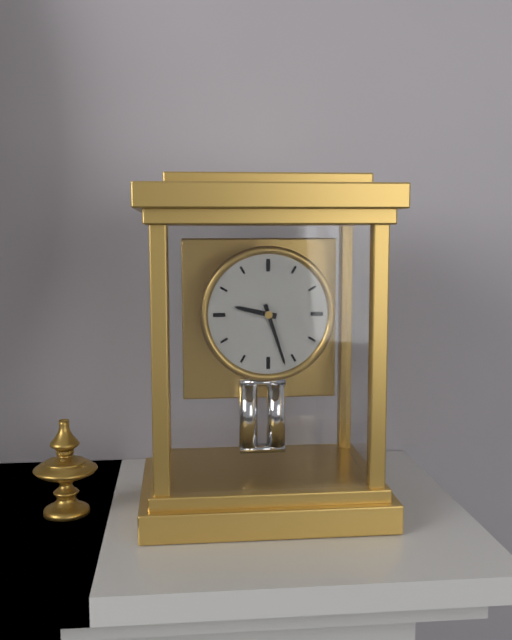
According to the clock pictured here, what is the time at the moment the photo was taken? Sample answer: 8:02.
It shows 9:27
